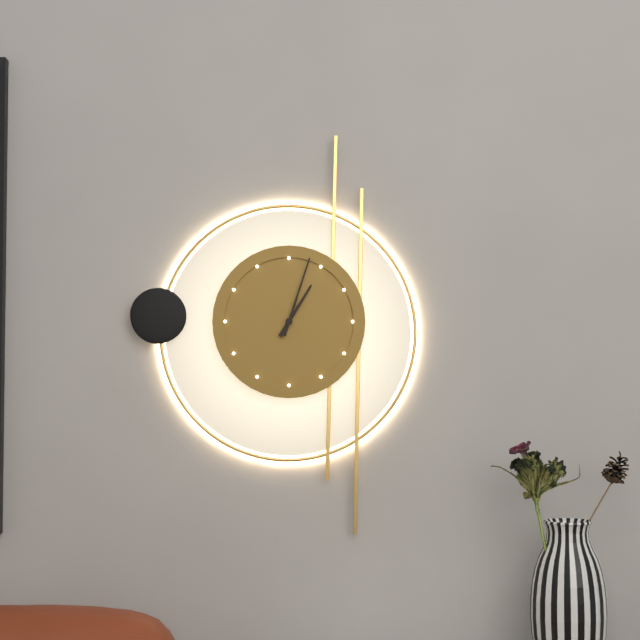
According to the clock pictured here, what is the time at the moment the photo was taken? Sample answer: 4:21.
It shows 1:03
